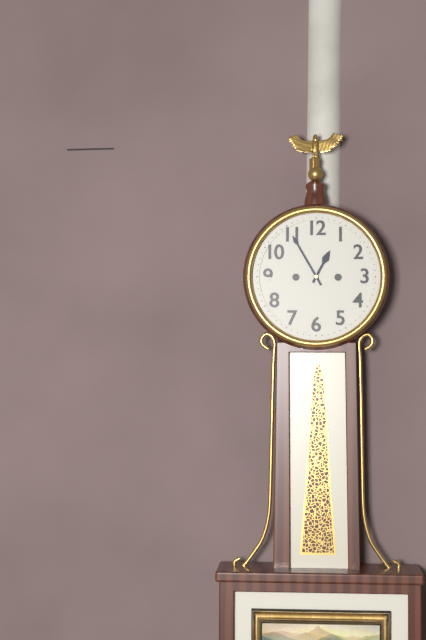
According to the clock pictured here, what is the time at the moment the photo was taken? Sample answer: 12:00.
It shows 12:55
